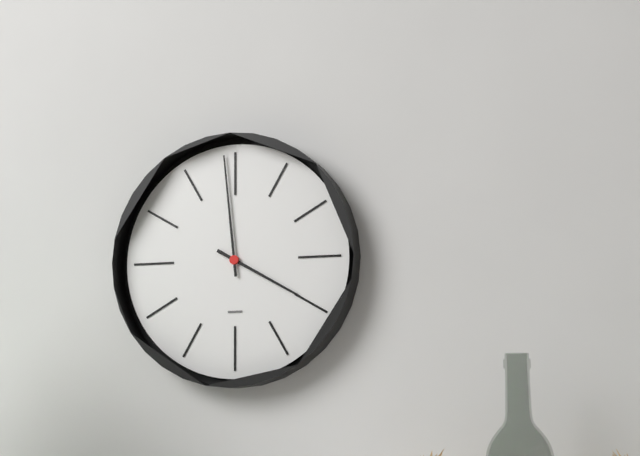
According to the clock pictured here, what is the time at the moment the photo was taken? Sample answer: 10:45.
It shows 3:59
